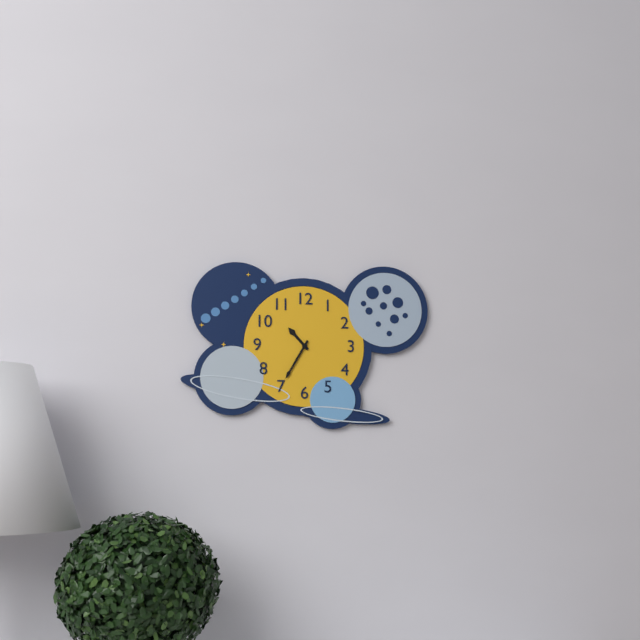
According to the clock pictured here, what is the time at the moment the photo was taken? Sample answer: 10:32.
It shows 10:35
